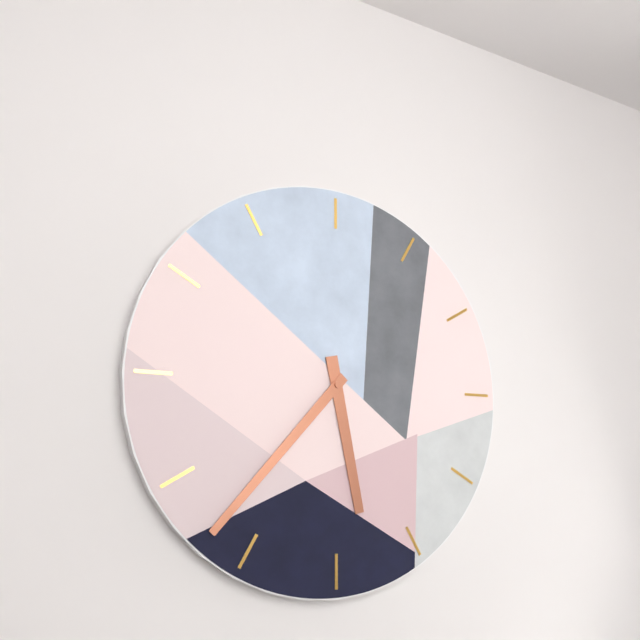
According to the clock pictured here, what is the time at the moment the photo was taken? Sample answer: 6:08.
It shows 5:37
